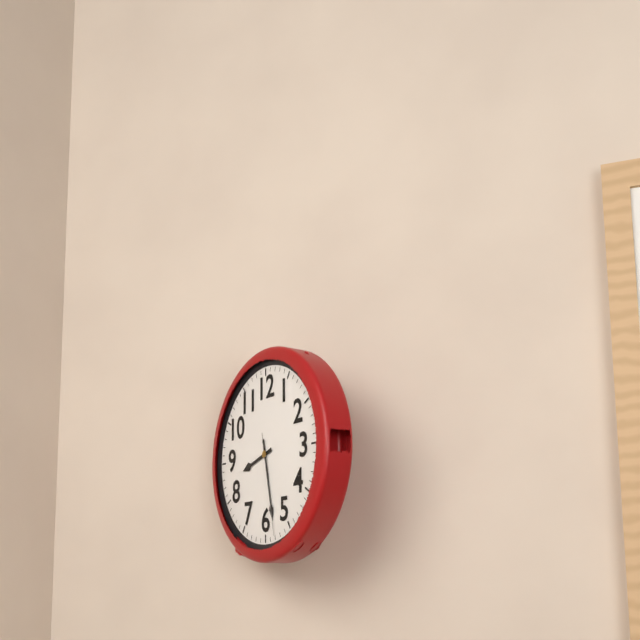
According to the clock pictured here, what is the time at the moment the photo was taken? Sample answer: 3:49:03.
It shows 8:28:28
